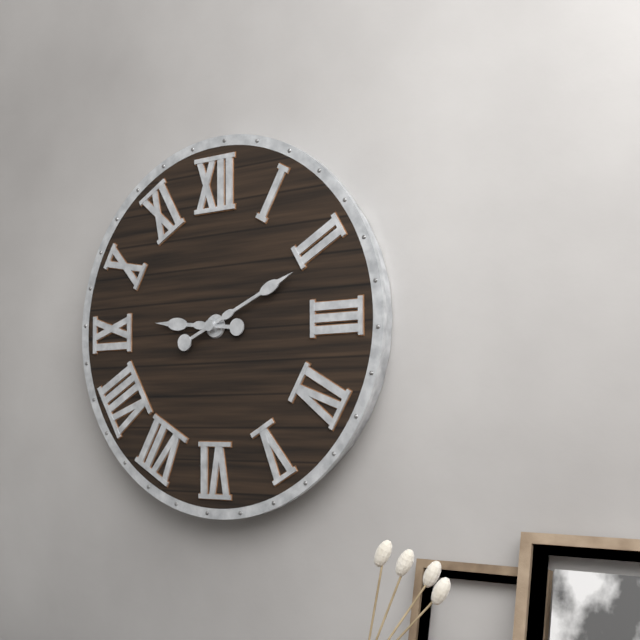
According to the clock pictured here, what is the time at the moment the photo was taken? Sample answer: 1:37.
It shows 9:11
